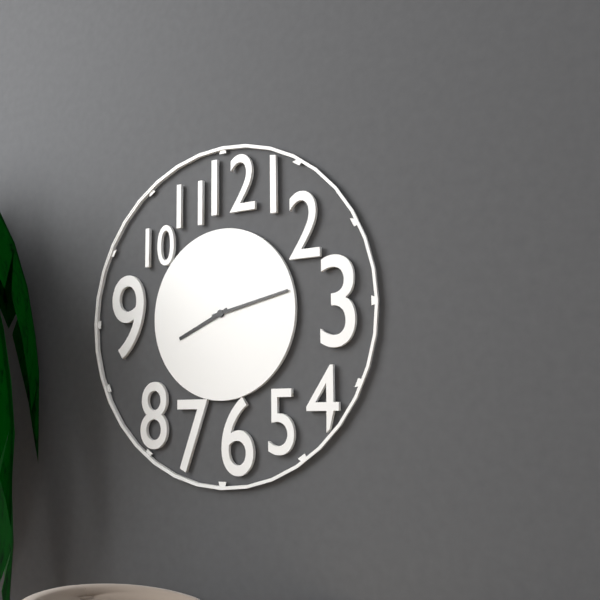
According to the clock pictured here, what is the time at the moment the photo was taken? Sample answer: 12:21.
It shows 8:13
